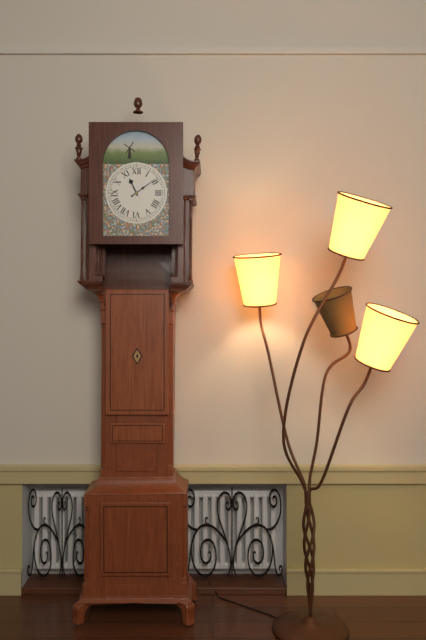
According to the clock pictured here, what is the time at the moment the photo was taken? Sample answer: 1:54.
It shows 11:09
